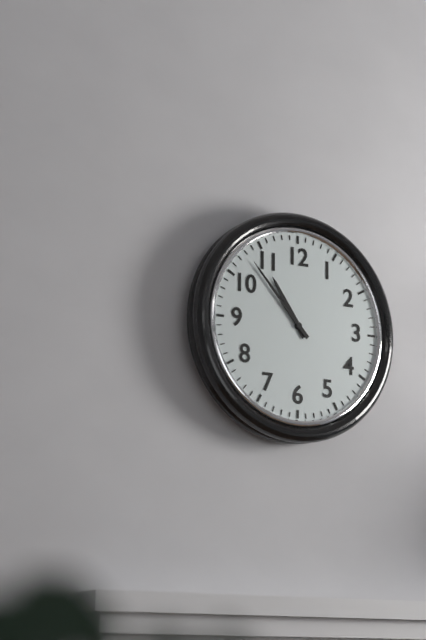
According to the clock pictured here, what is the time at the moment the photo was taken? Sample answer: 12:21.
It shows 10:53
